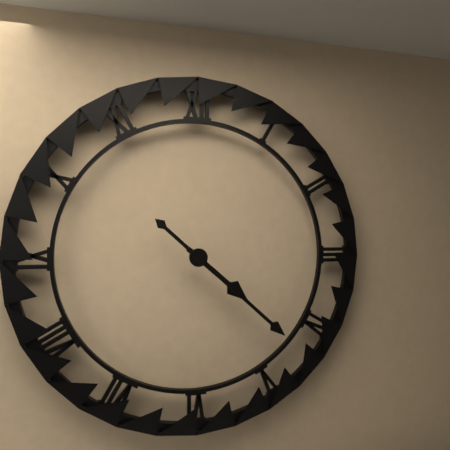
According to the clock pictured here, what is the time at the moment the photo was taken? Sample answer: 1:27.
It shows 4:22
